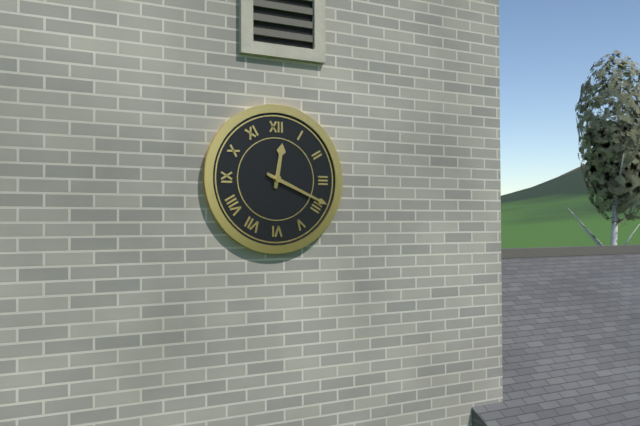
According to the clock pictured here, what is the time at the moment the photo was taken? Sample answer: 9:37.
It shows 12:19
